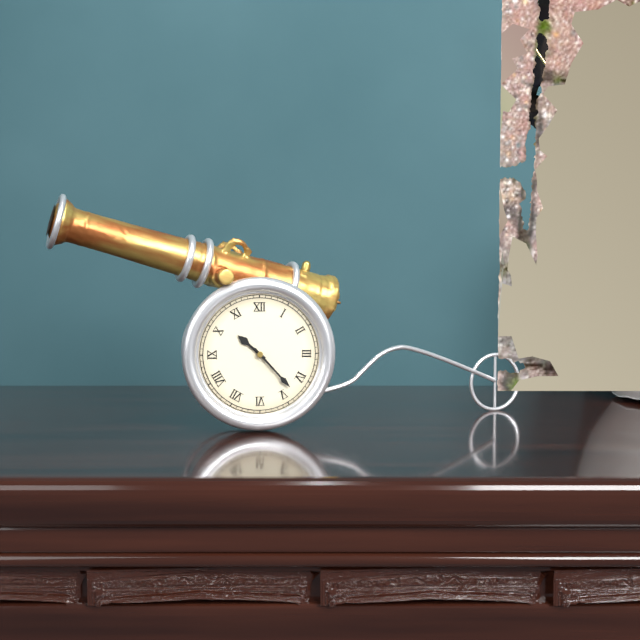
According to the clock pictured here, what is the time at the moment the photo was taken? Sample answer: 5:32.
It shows 10:23
